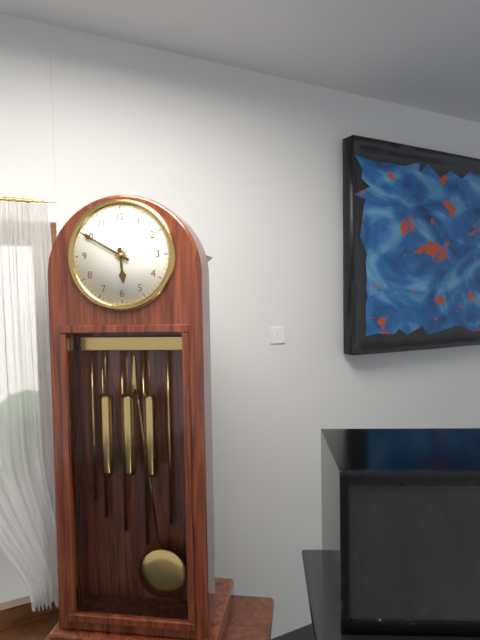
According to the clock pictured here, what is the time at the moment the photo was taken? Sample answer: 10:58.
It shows 5:50
